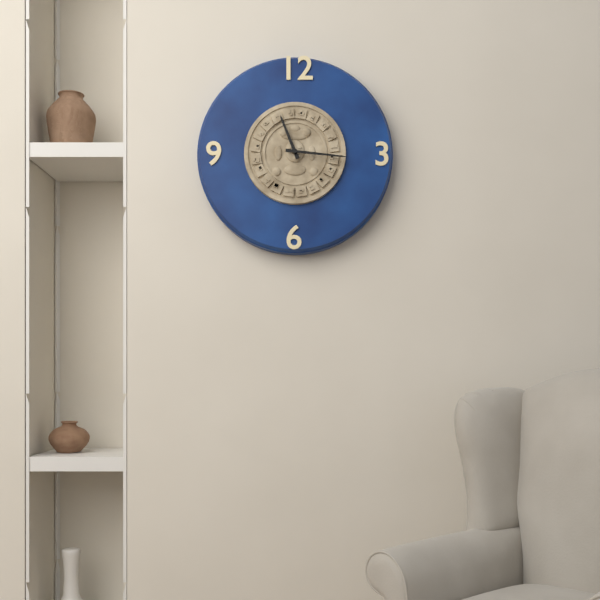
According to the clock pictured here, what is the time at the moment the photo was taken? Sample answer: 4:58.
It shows 11:16
